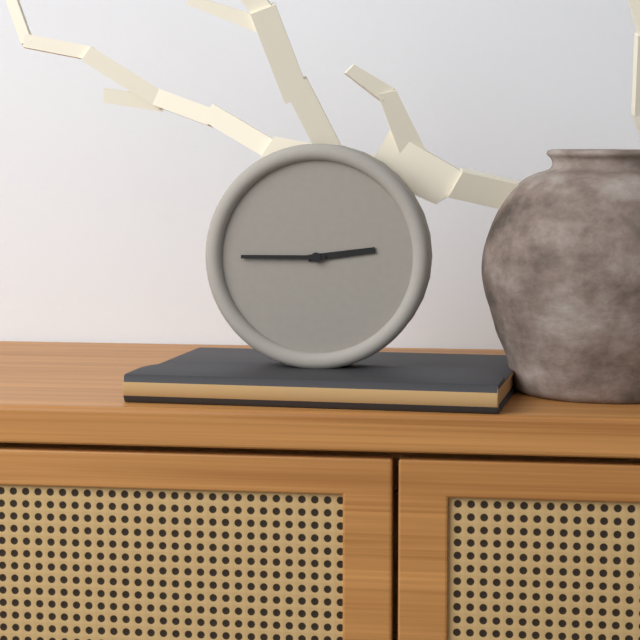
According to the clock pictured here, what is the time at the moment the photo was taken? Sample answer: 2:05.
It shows 2:45
